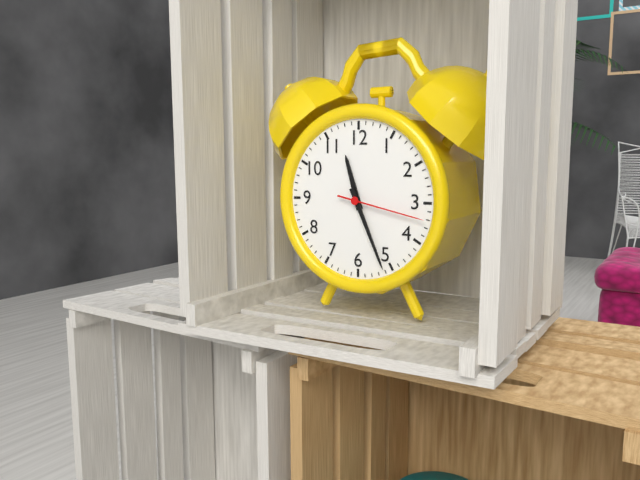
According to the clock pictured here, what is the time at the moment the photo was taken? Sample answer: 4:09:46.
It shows 11:26:17
